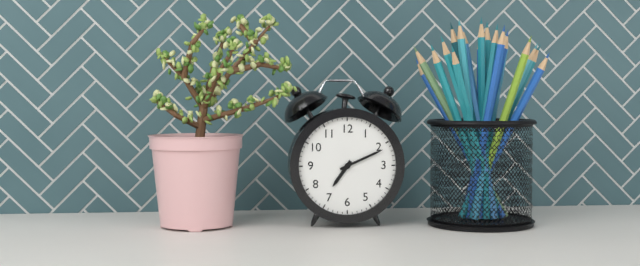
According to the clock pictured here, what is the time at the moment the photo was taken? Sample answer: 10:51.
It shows 7:11
